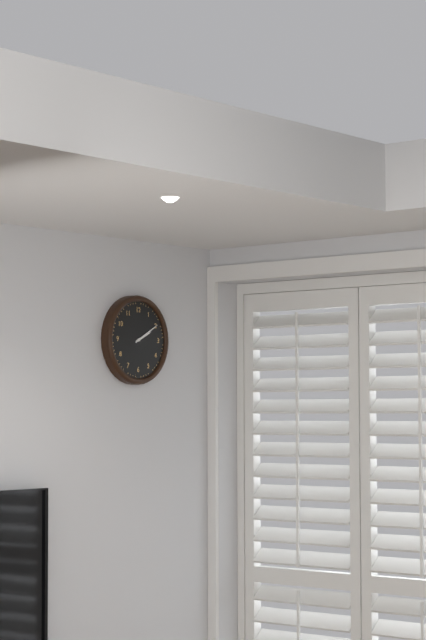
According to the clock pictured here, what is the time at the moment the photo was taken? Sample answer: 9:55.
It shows 2:10
